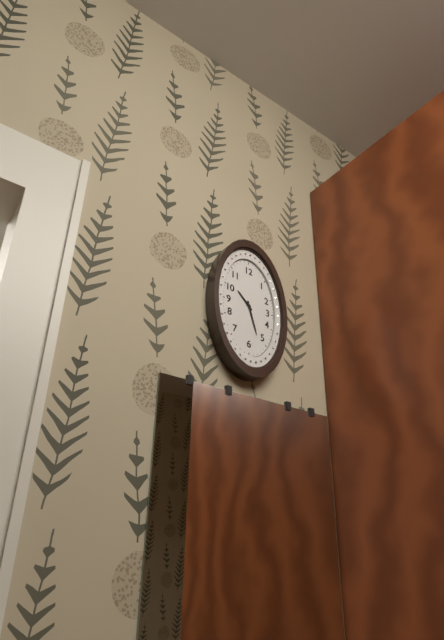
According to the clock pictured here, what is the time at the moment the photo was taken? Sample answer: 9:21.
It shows 10:27
